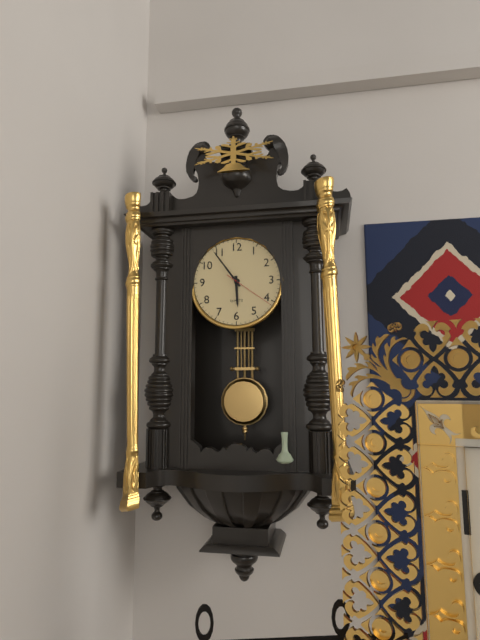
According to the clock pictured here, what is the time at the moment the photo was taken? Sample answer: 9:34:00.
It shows 5:54:21
